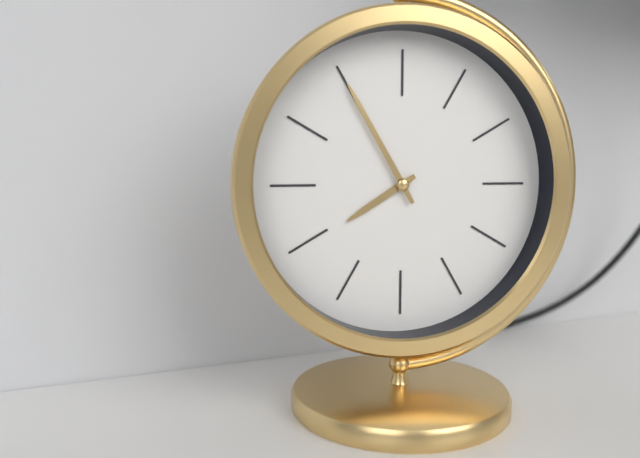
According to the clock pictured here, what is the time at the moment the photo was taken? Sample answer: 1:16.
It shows 7:55
